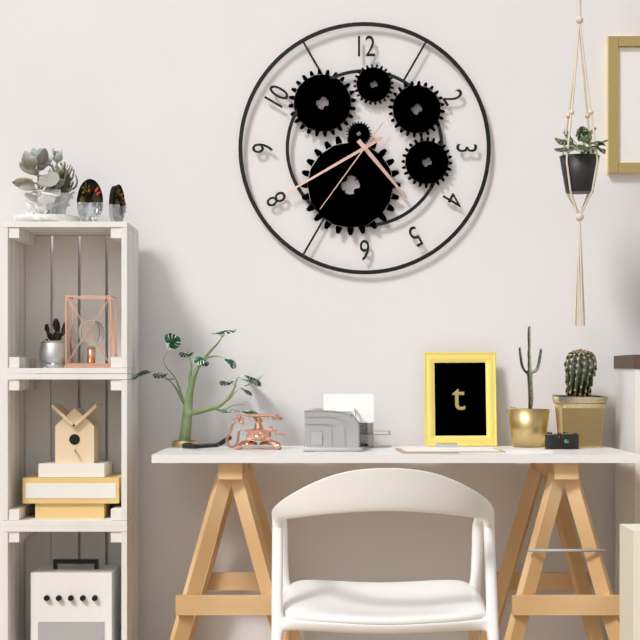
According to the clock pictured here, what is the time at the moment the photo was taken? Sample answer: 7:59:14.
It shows 4:40:36
